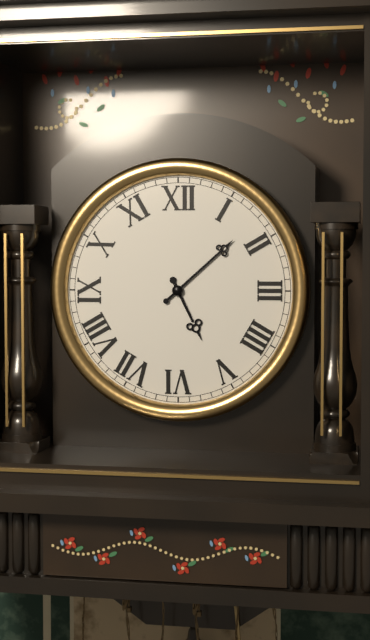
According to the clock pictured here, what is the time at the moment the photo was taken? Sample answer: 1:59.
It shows 5:08
